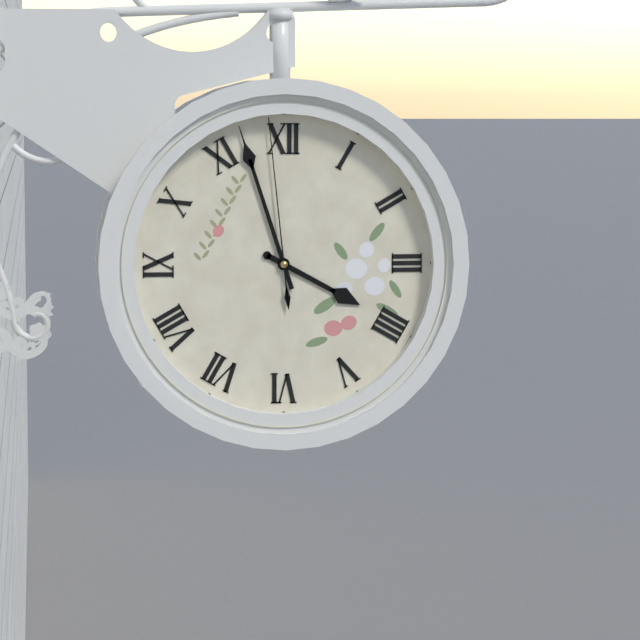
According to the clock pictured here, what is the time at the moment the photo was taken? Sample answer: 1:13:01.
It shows 3:57:59
